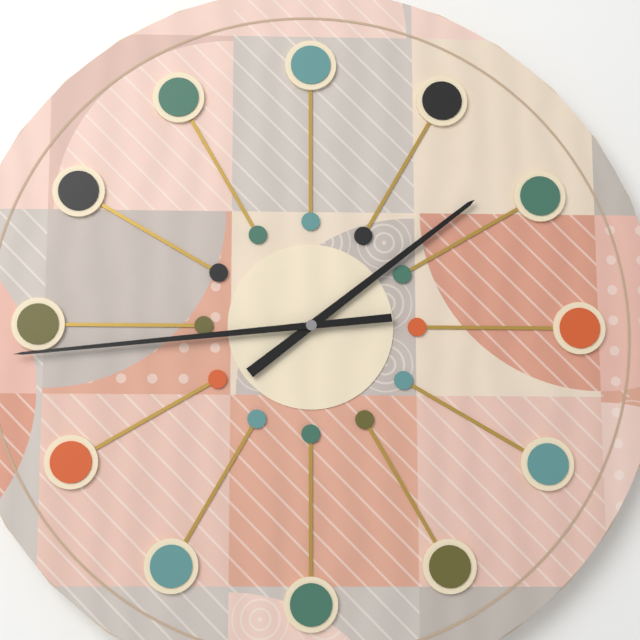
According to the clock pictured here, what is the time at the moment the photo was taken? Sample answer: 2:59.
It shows 1:44
